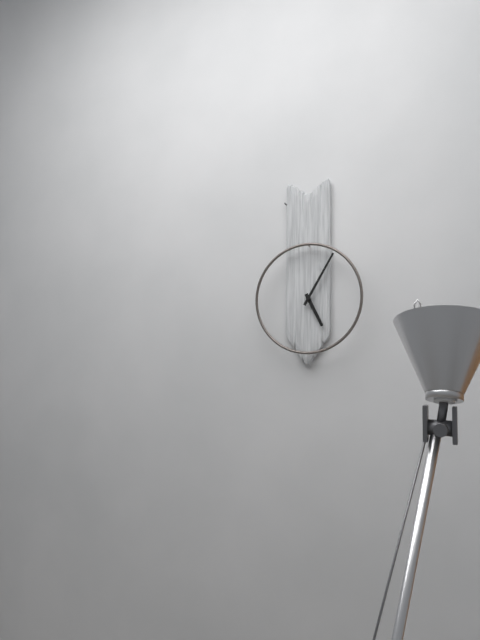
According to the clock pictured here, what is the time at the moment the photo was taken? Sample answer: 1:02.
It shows 5:05
